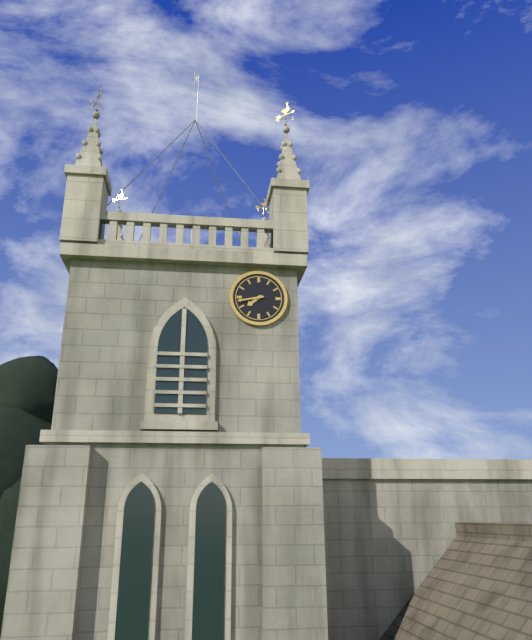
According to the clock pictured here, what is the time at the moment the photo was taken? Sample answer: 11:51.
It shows 7:43
